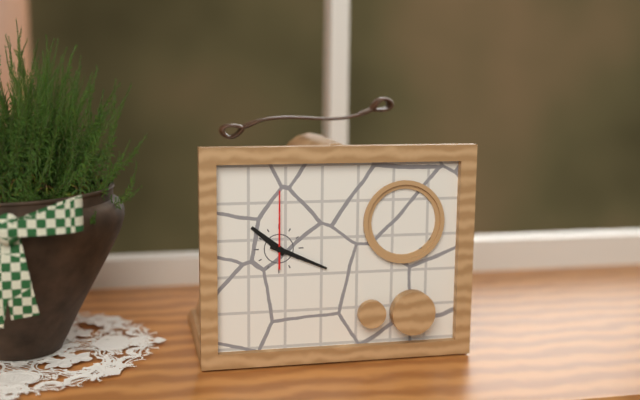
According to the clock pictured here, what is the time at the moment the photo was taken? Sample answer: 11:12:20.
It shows 10:19:00
